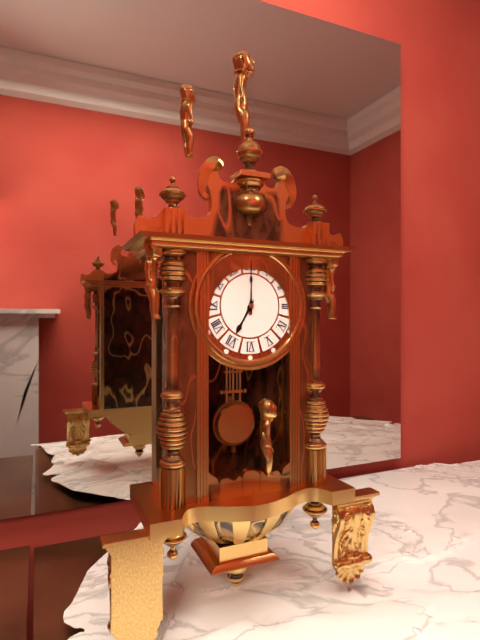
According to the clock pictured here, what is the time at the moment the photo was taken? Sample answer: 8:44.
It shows 7:00
